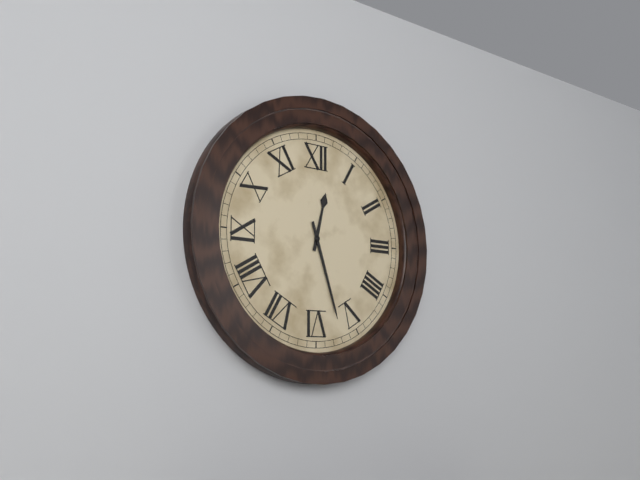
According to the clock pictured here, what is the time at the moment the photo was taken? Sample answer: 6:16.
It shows 12:27
